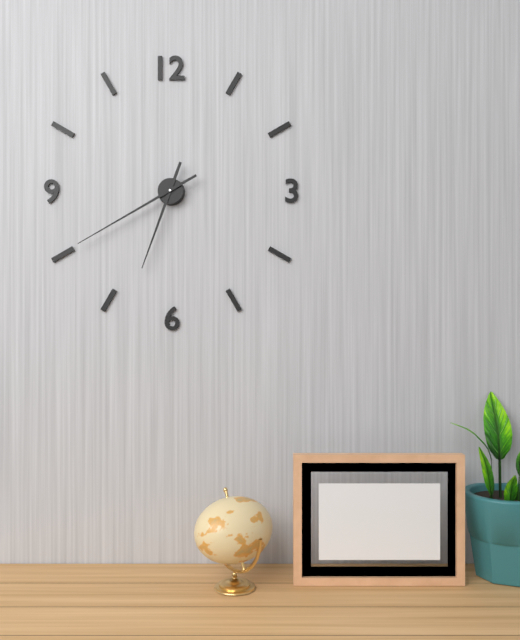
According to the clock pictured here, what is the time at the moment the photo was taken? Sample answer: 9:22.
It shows 6:40
